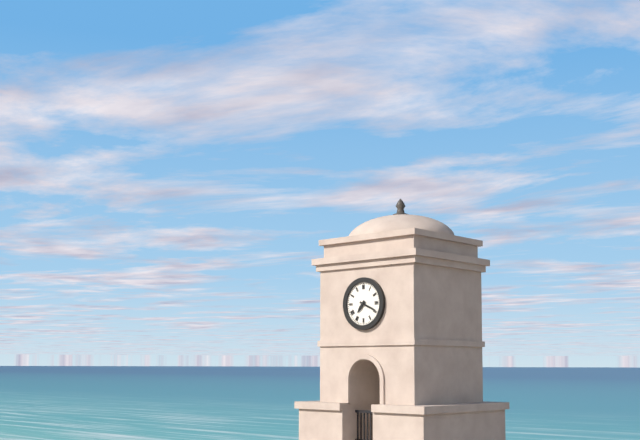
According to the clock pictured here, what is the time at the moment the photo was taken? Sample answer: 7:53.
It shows 7:19
